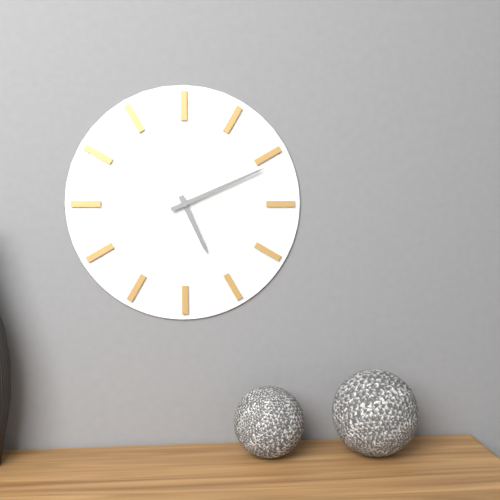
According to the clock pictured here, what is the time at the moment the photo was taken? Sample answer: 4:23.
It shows 5:11
